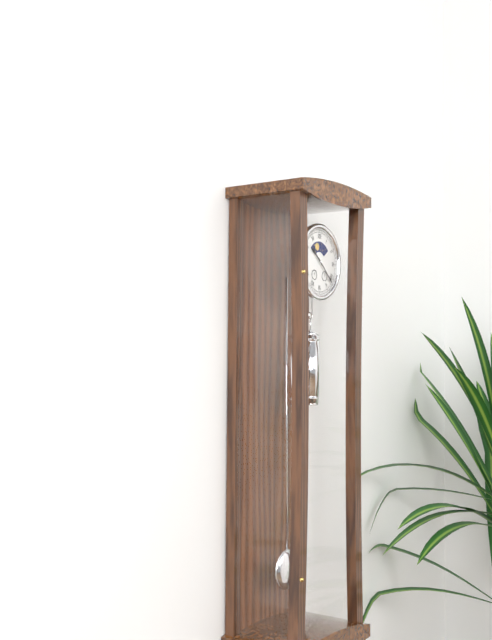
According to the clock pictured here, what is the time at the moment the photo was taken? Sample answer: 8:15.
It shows 10:22
